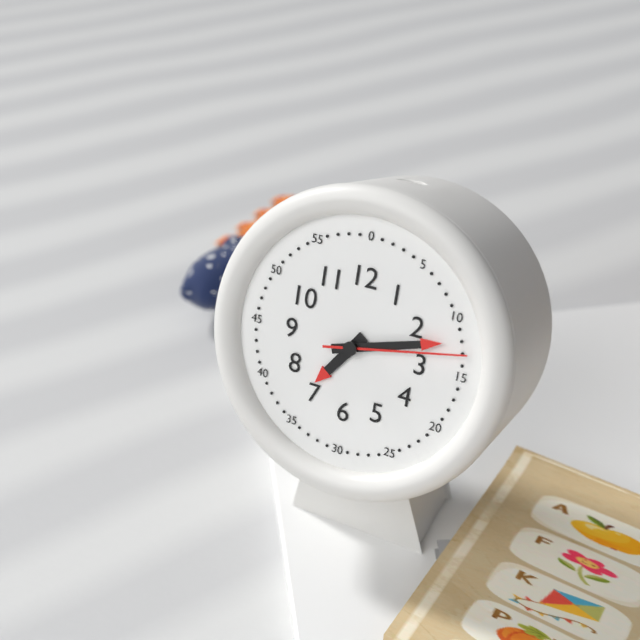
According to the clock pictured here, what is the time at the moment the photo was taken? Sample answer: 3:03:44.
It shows 7:12:13
